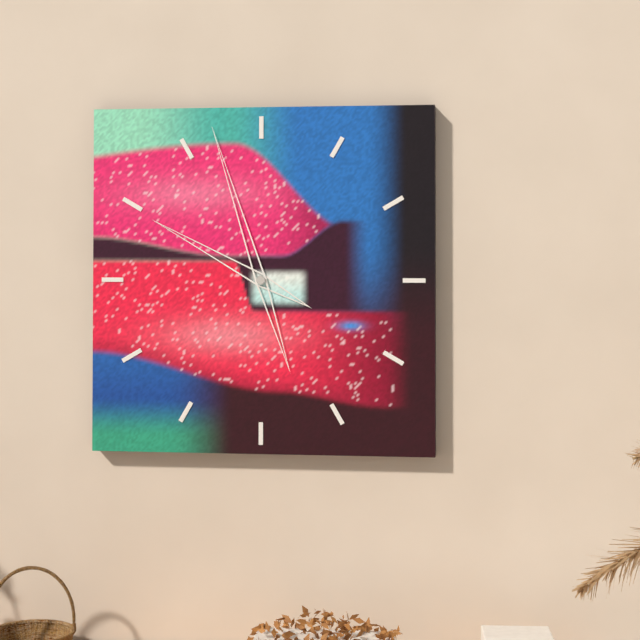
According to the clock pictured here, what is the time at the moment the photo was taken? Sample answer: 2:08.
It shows 9:57
